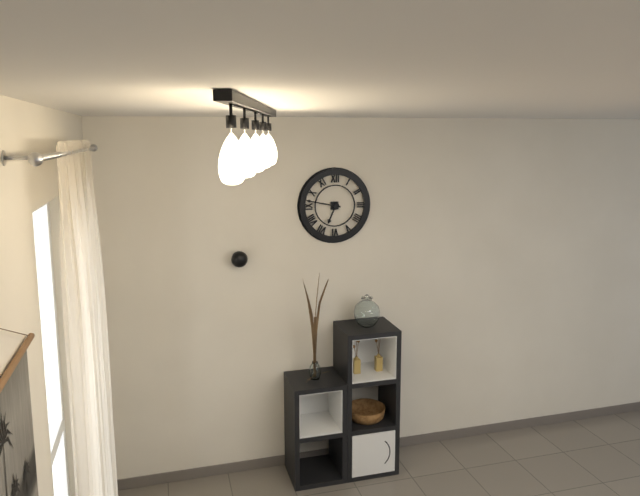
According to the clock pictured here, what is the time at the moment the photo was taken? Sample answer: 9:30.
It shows 6:47
